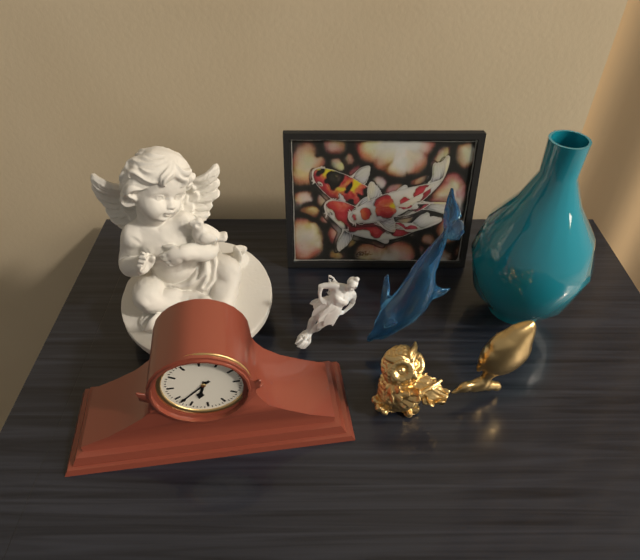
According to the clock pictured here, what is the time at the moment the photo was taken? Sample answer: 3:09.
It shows 6:38
